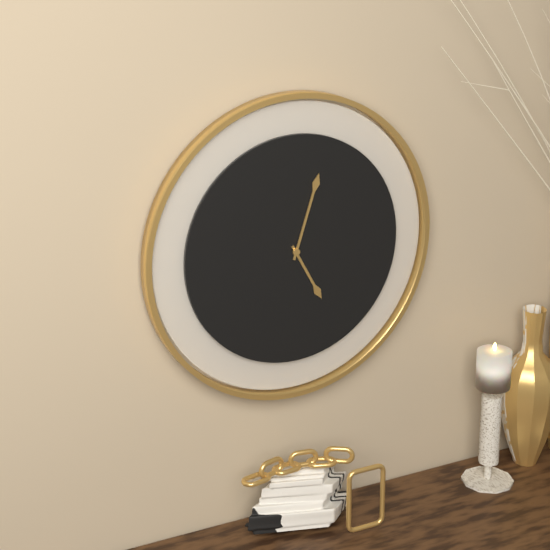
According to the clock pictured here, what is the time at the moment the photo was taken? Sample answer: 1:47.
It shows 5:03
